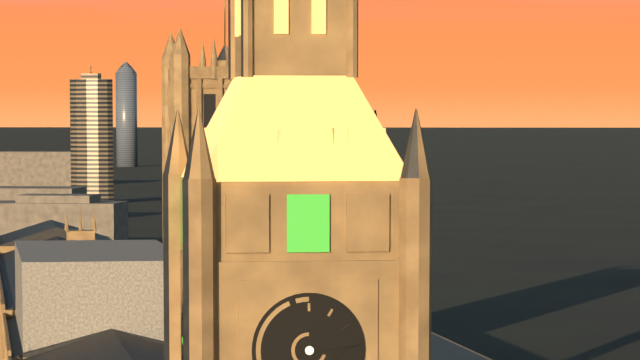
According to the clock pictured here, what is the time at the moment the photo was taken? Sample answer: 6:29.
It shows 3:14
